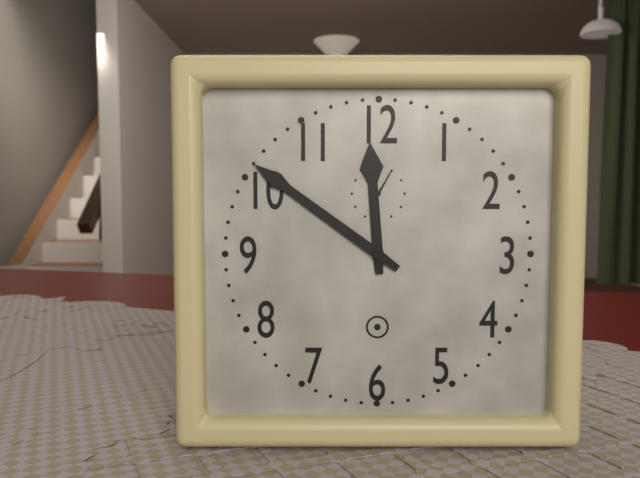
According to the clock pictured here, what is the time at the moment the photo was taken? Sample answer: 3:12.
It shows 11:51
